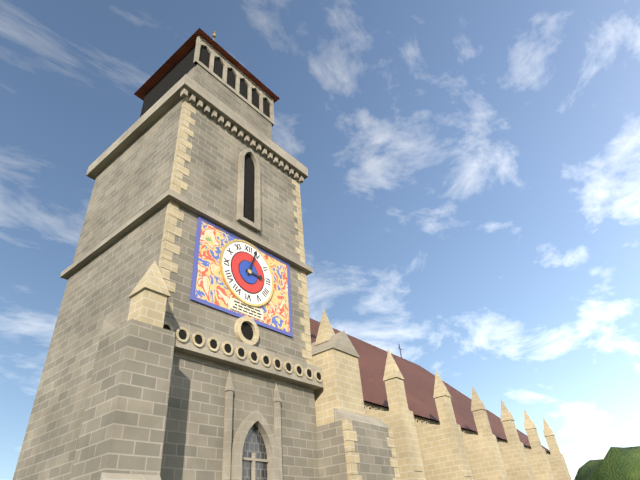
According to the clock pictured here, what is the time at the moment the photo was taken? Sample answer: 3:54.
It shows 3:03
